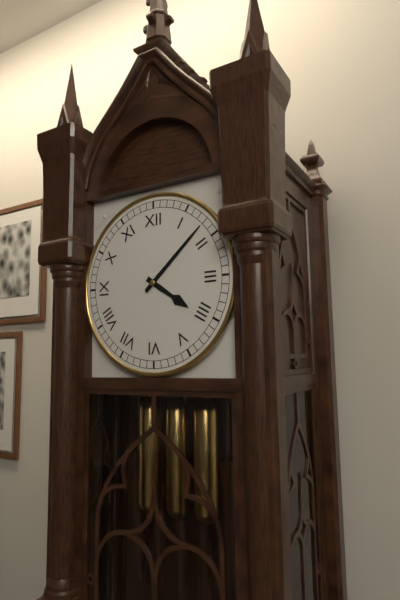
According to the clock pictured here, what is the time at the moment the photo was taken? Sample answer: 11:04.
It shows 4:08
